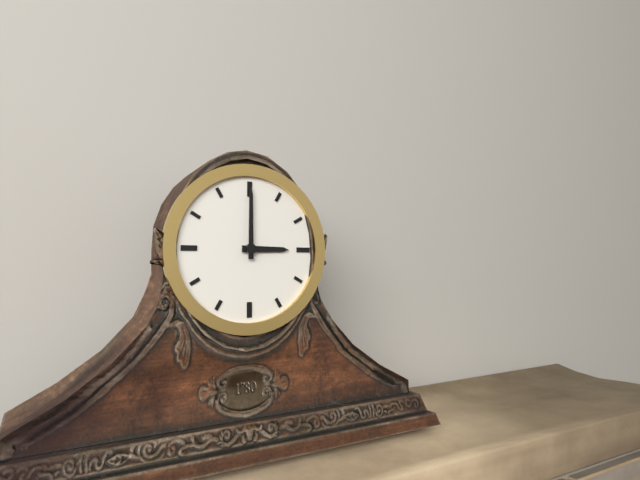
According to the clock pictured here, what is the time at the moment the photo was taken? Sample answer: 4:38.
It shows 3:00
